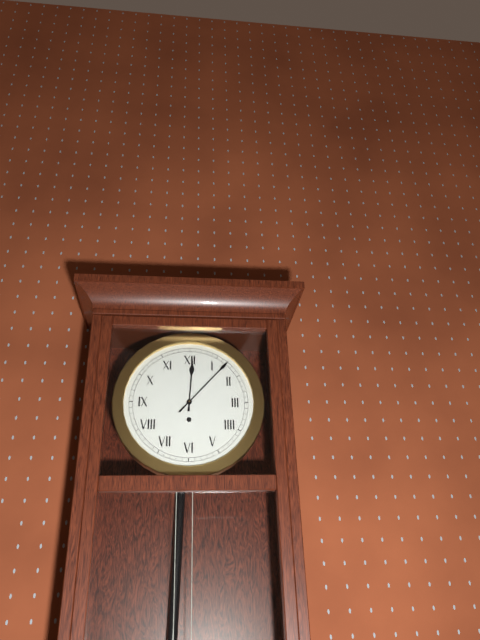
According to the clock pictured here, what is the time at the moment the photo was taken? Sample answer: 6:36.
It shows 12:07
